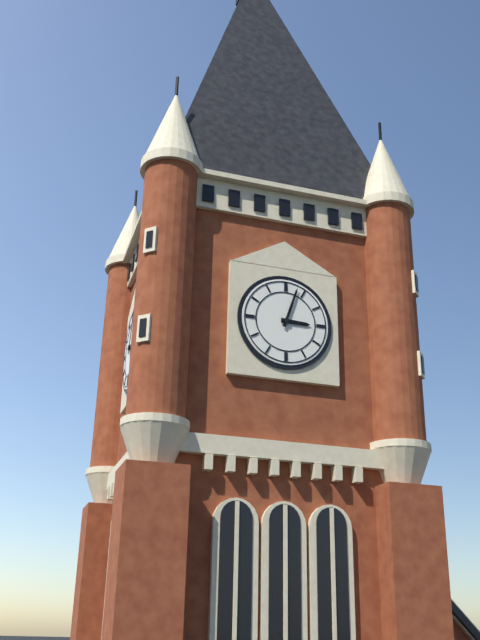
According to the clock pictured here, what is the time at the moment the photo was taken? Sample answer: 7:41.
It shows 3:03
